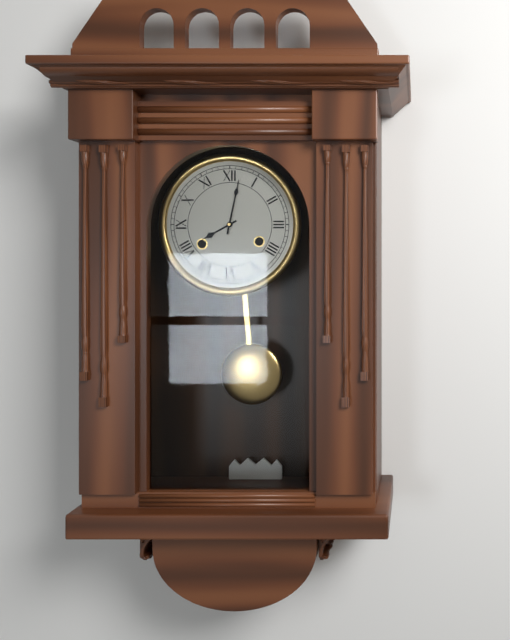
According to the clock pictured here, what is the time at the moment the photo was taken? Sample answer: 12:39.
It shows 8:02
